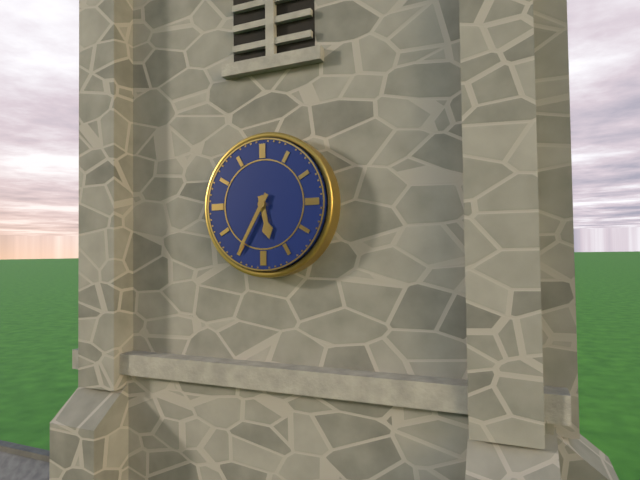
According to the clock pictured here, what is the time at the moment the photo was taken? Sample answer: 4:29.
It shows 5:35
